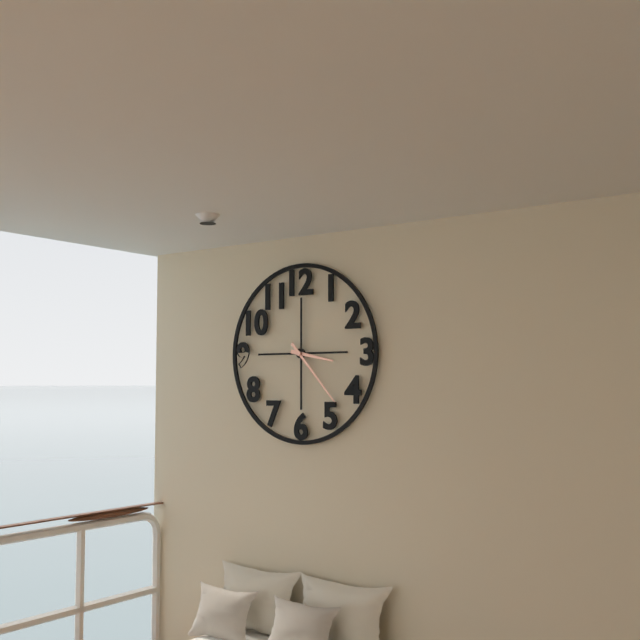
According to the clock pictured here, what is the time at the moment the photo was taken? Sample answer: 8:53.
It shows 3:23
